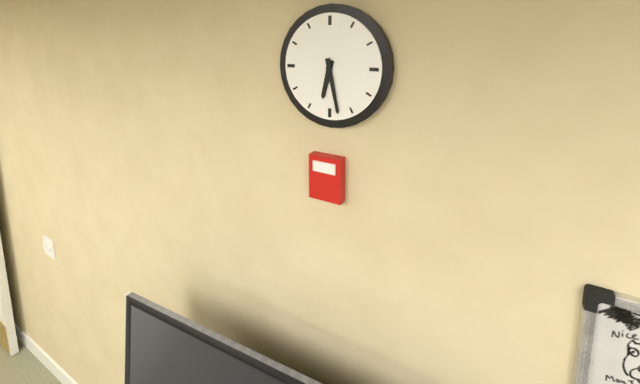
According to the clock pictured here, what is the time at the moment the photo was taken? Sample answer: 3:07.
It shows 6:28
